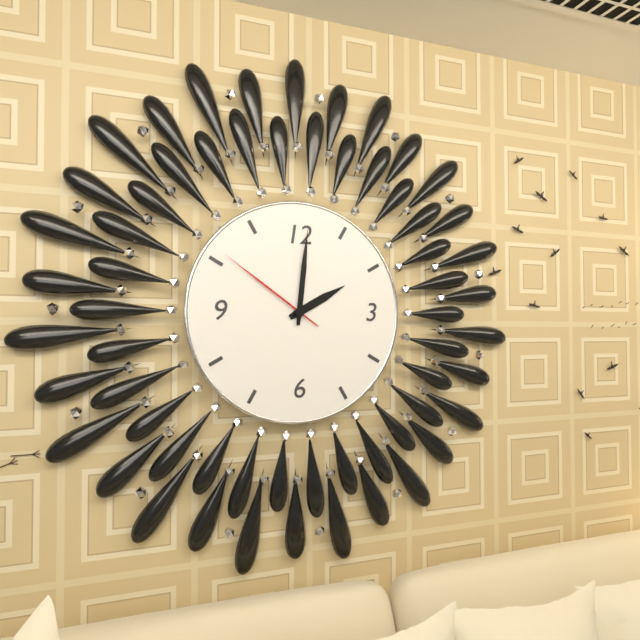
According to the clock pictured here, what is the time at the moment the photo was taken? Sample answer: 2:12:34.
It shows 2:01:51
